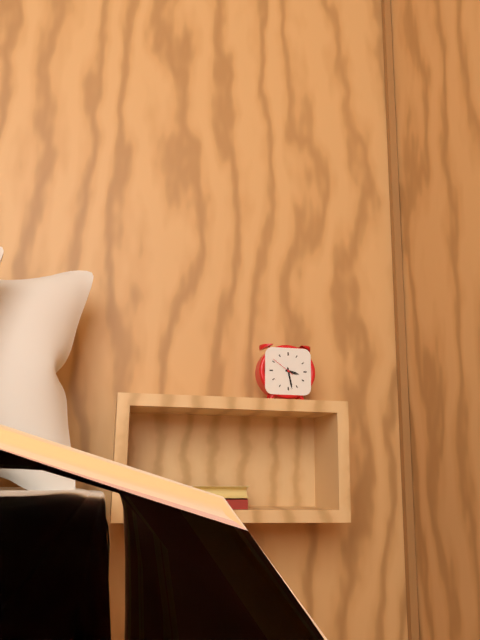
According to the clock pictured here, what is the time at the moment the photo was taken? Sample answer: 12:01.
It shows 3:28
